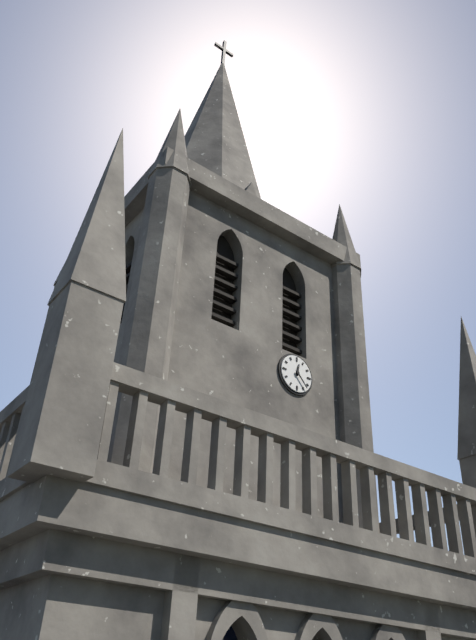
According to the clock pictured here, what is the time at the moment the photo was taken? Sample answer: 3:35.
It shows 12:23
